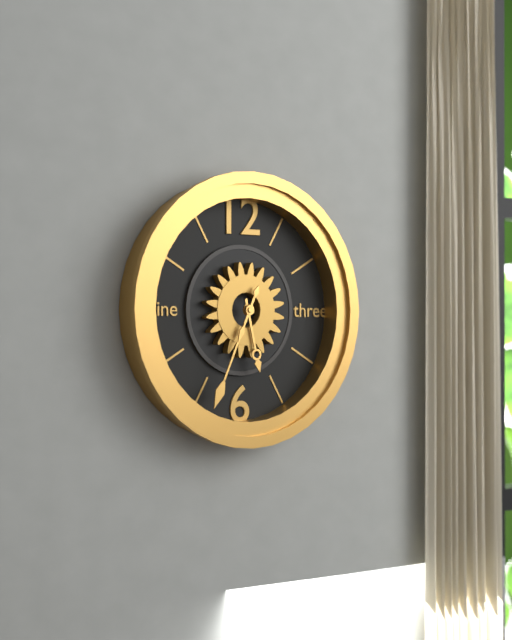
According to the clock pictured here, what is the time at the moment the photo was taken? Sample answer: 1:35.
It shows 5:34
